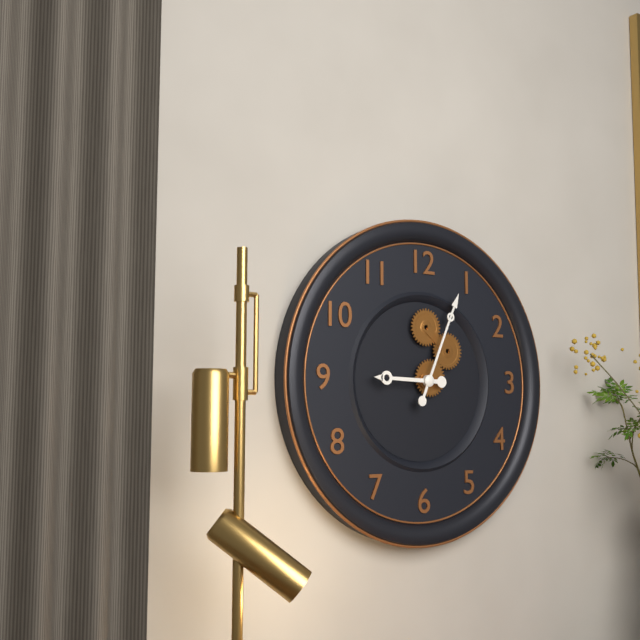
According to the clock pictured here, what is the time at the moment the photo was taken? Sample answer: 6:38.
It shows 9:04
